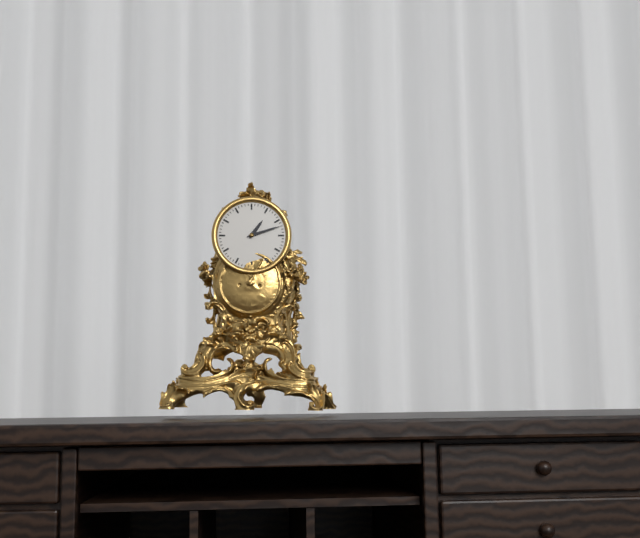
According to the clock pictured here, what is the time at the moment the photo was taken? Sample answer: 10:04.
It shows 1:12
